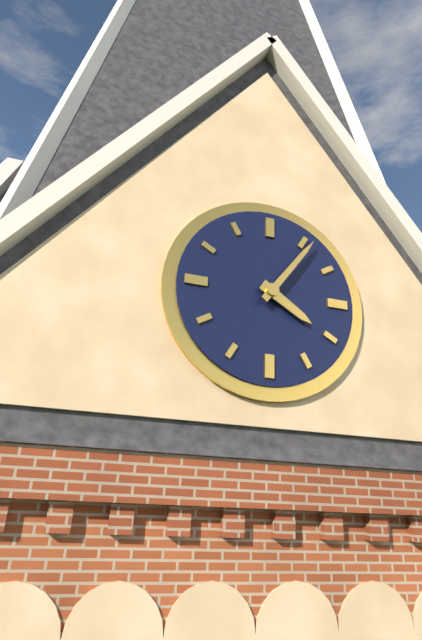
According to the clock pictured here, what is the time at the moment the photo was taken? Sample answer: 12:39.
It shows 4:06
